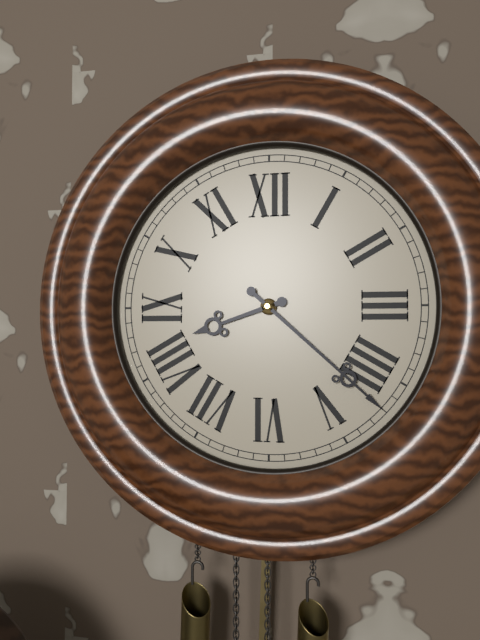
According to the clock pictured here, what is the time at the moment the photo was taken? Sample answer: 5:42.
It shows 8:22
